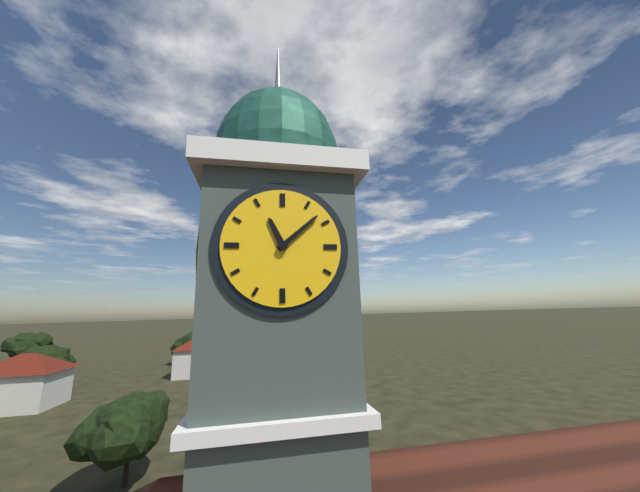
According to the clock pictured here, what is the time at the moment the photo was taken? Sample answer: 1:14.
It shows 11:08
